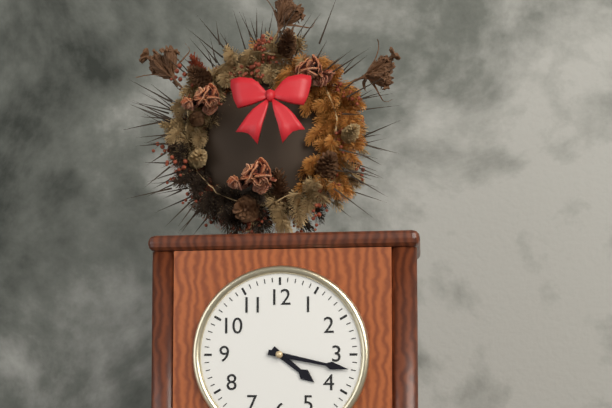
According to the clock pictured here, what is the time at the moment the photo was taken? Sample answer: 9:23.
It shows 4:17
